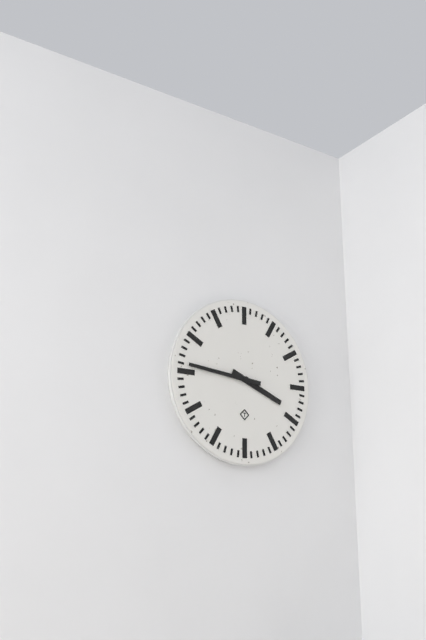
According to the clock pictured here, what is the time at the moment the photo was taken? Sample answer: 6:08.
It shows 3:46
